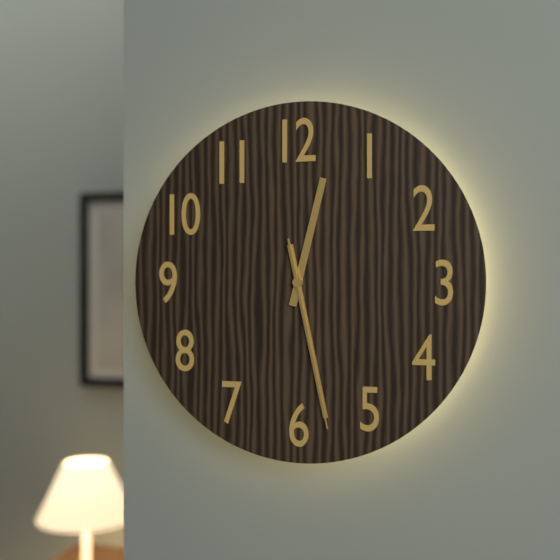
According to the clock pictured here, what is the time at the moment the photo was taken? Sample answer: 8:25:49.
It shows 12:28:28
